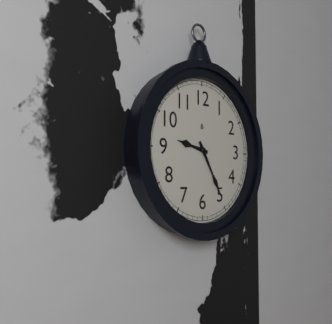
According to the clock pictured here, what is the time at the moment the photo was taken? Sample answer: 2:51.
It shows 9:25
